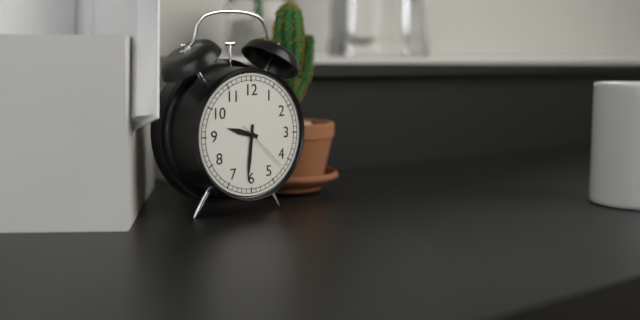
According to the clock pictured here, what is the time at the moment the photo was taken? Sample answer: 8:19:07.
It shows 9:31:22
